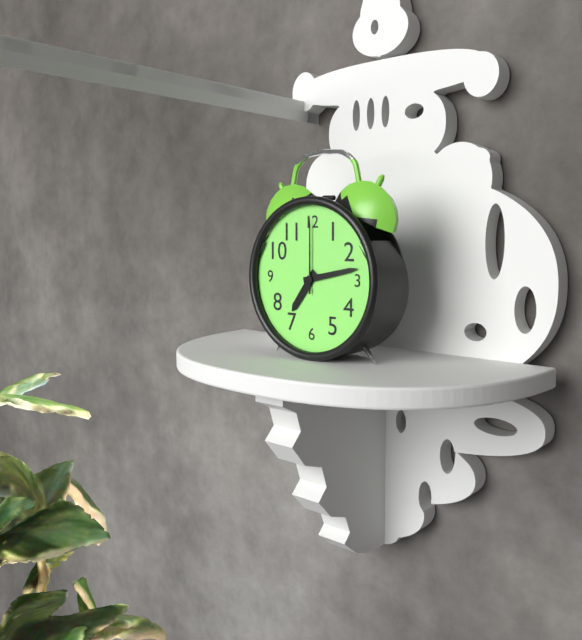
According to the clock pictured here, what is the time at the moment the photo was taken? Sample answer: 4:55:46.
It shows 7:13:00
